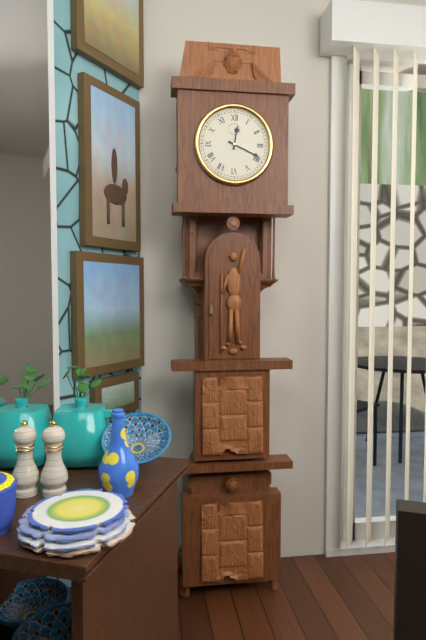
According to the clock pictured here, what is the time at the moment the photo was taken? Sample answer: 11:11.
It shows 12:19
